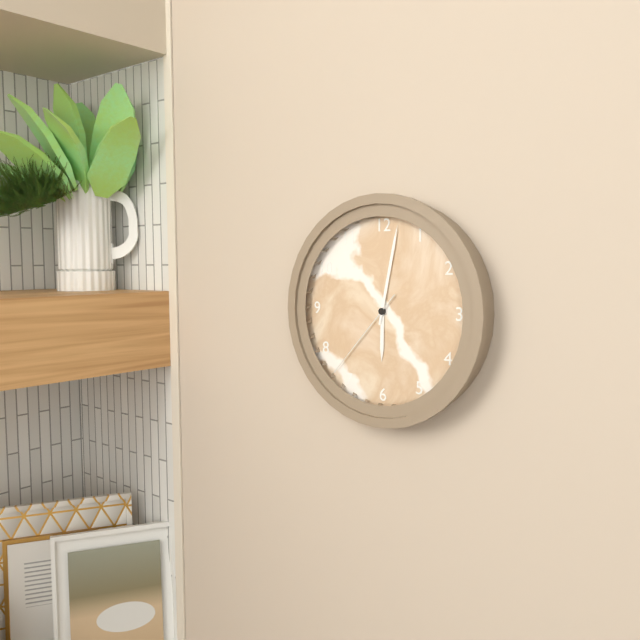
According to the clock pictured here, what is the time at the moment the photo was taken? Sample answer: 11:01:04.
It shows 6:02:37
